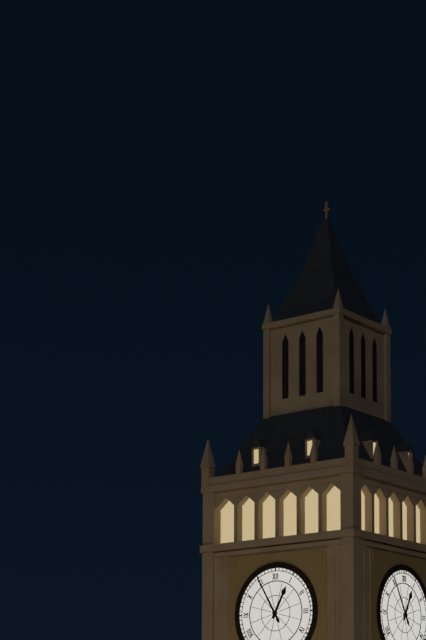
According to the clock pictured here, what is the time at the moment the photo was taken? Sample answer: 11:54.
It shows 12:55
